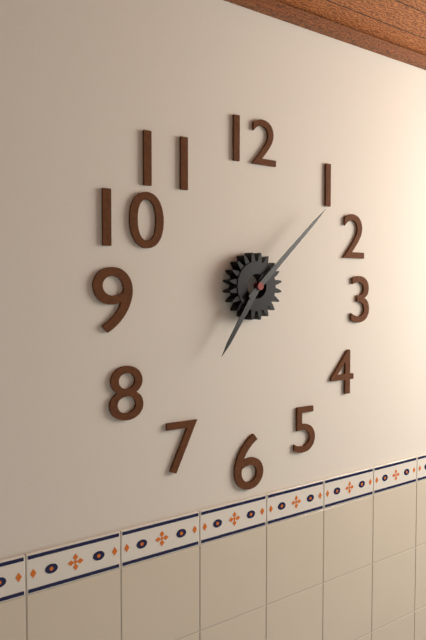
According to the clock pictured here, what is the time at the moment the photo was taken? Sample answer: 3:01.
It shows 7:08
